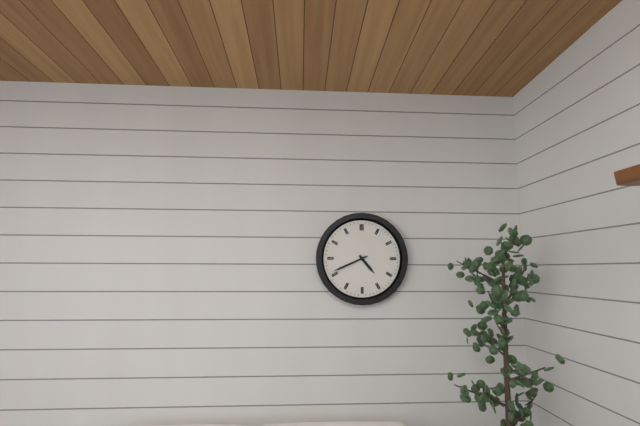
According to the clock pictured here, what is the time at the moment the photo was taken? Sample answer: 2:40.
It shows 4:41
